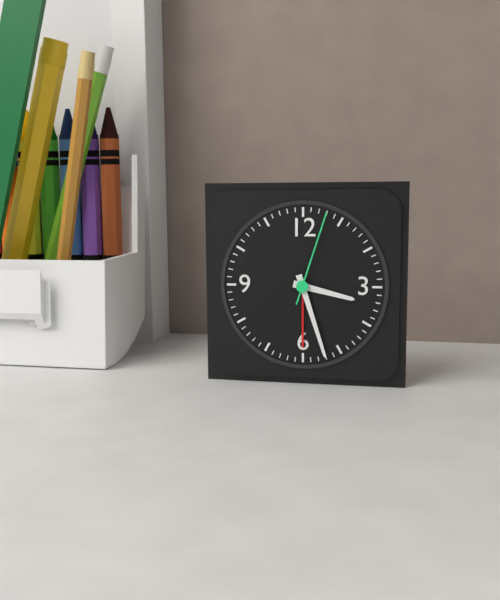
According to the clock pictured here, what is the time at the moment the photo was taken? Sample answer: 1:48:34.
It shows 3:27:03
